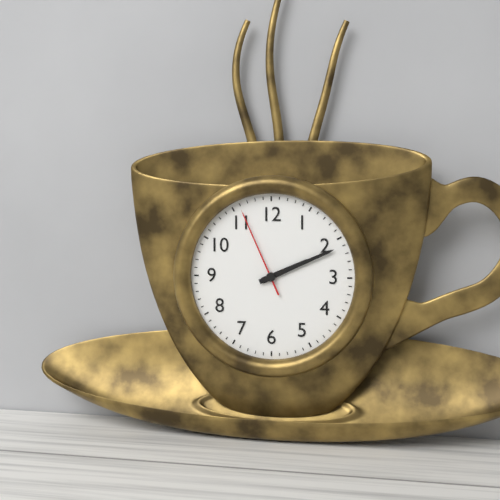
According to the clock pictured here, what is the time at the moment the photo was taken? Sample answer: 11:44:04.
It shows 2:11:56
